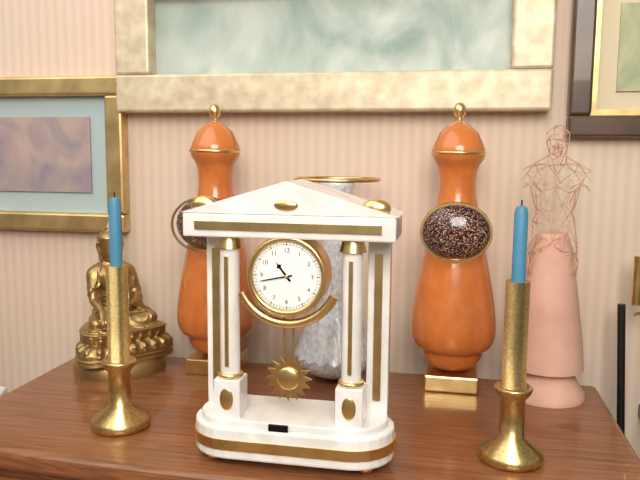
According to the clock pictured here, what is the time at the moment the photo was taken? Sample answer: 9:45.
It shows 10:43
